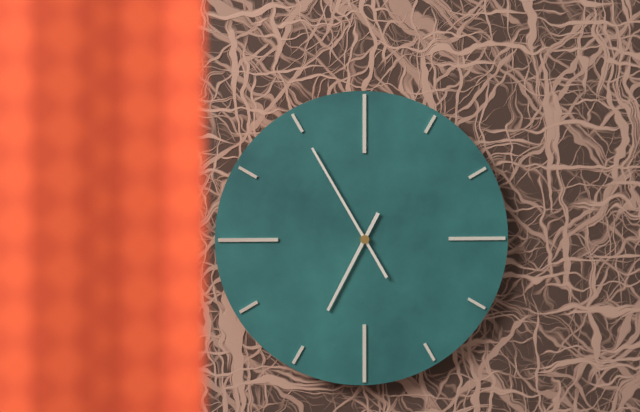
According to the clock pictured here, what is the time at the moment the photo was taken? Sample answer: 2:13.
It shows 6:55
